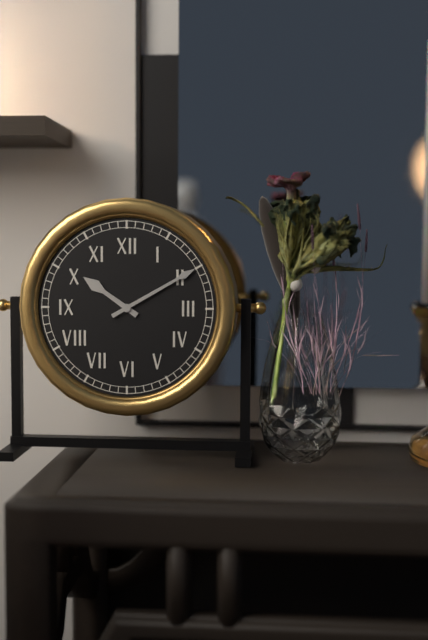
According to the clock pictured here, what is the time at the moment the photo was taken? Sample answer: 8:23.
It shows 10:10
